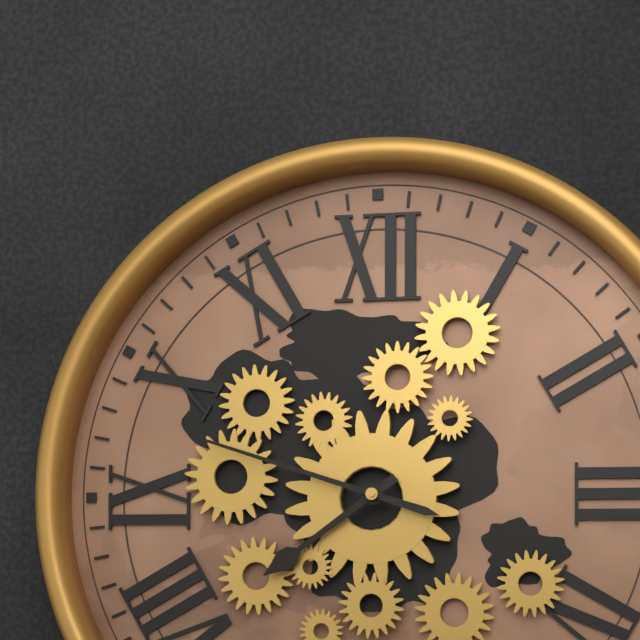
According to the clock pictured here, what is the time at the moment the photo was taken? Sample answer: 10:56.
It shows 7:48
